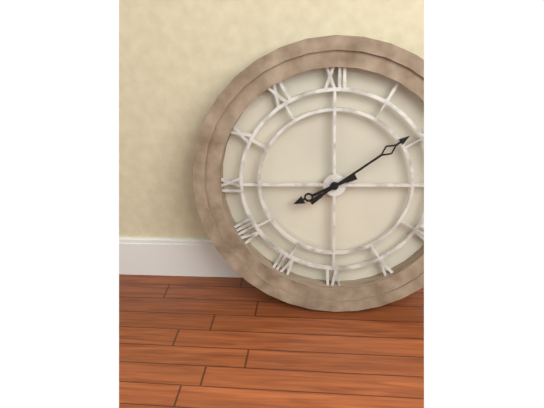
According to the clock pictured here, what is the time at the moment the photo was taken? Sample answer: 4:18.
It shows 8:09
